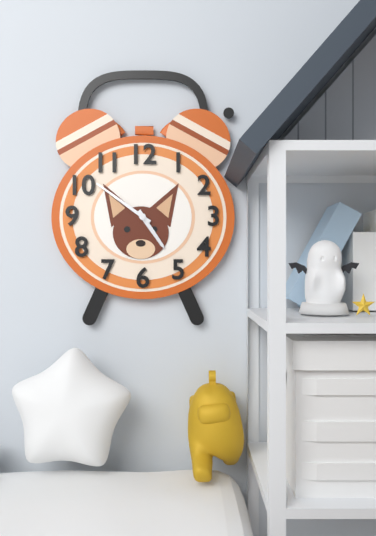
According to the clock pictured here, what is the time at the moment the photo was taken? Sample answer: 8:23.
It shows 4:51
